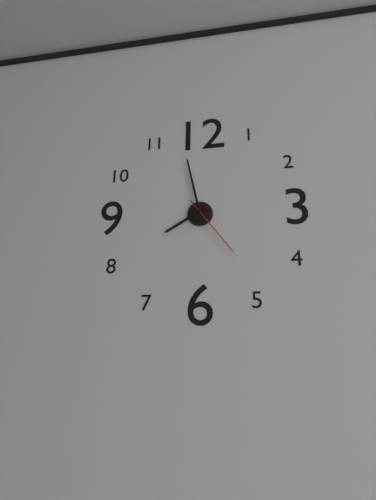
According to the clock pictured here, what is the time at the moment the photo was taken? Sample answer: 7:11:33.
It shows 7:58:24
